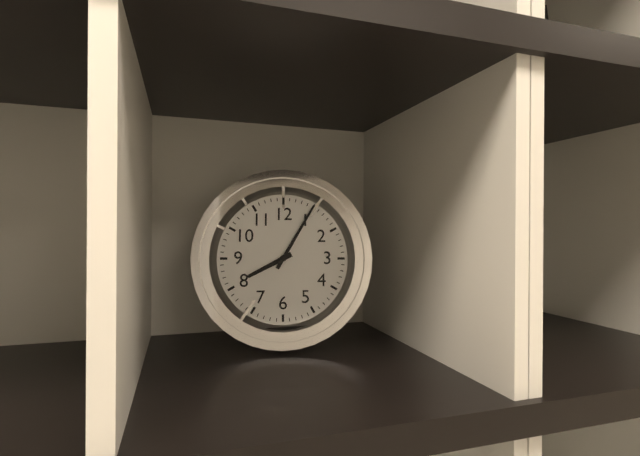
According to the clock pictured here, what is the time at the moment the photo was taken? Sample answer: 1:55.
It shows 8:05
